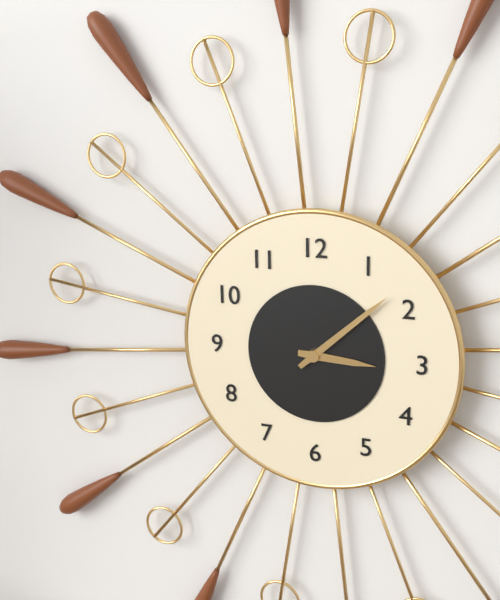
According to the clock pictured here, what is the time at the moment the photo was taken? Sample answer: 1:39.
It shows 3:08
